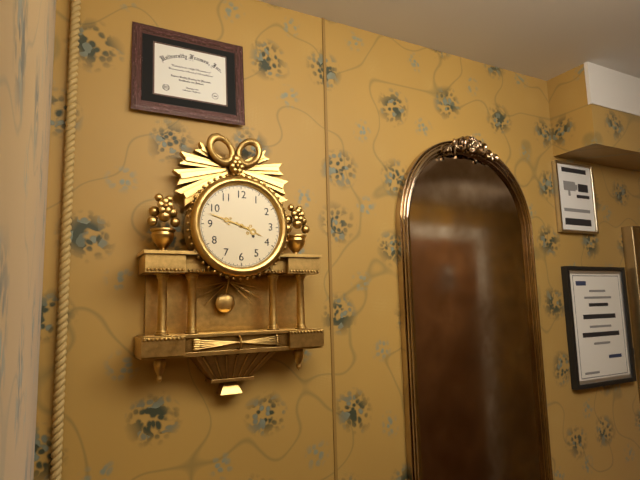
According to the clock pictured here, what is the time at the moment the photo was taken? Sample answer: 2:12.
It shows 3:48
